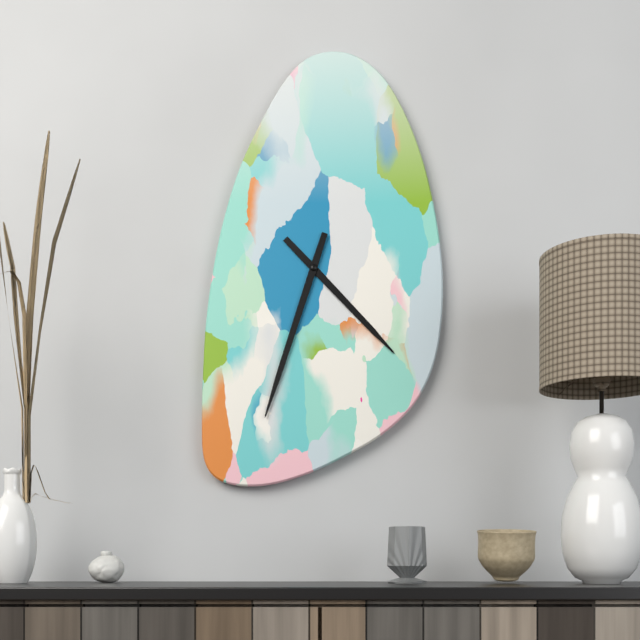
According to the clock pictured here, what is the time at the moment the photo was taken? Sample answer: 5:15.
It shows 4:33
